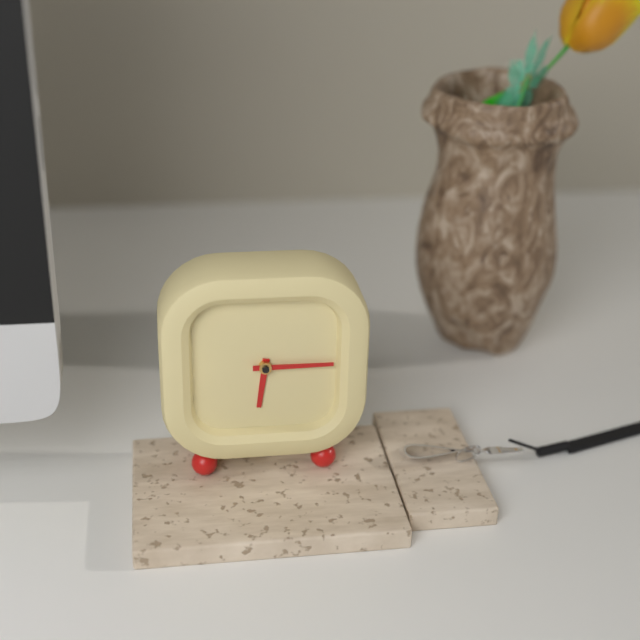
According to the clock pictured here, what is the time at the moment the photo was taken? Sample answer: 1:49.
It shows 6:15
